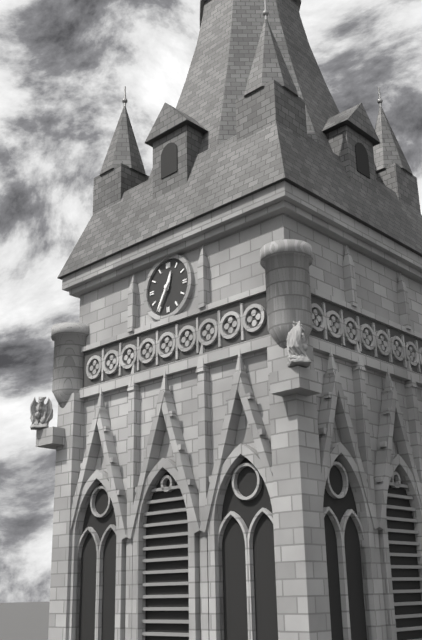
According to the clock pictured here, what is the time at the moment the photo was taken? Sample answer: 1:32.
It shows 12:35
